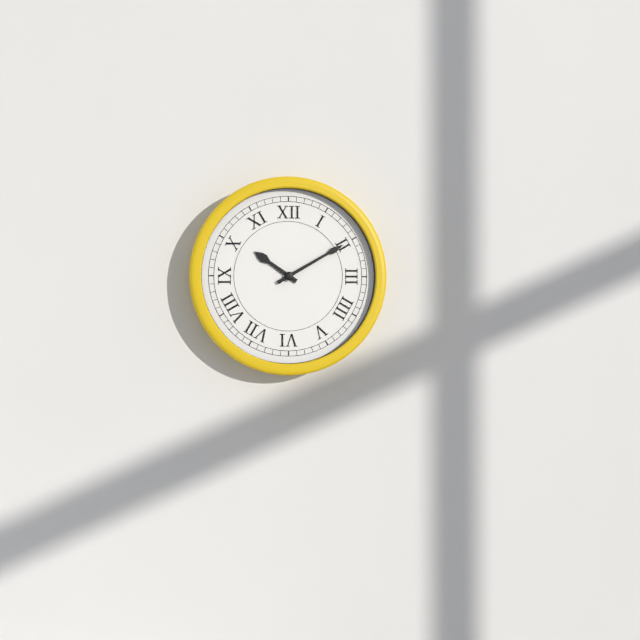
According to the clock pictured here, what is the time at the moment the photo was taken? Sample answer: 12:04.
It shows 10:10
